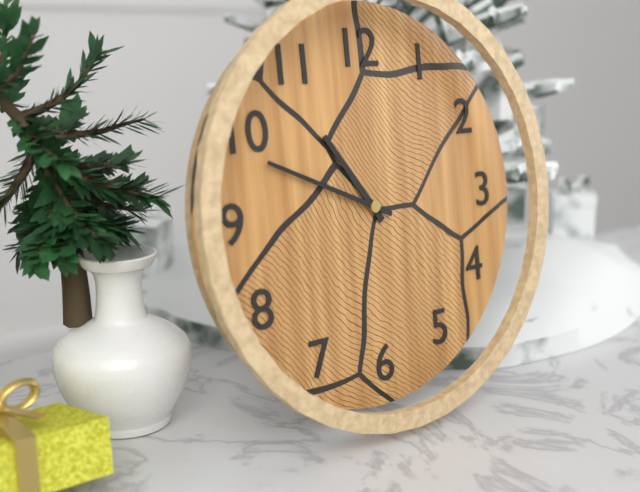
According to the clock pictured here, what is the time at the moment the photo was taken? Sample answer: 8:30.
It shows 10:49
